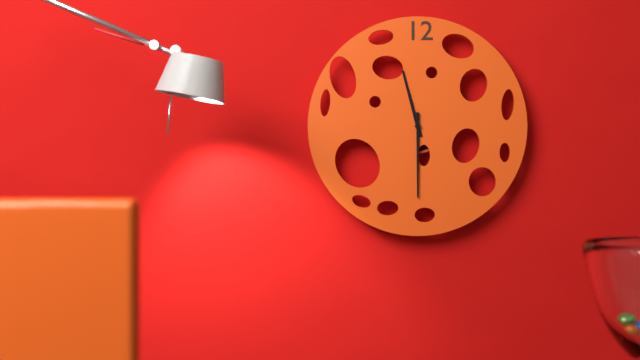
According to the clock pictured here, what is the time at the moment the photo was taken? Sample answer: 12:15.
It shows 11:30
